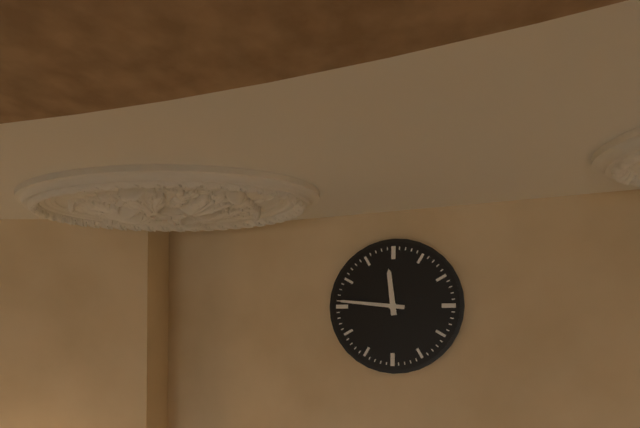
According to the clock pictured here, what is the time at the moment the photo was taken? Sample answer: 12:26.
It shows 11:46
